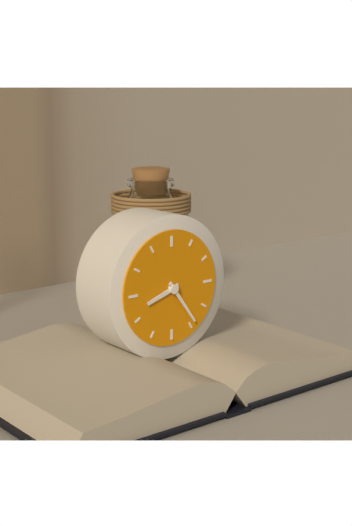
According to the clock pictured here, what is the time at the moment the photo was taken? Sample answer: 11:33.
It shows 8:24
